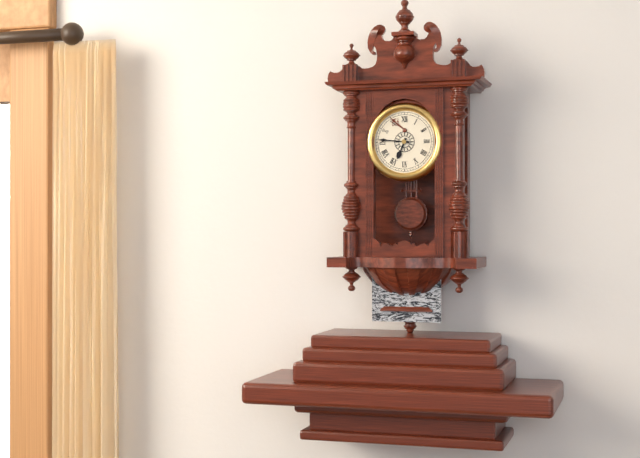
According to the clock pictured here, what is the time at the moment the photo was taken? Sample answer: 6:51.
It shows 6:46
